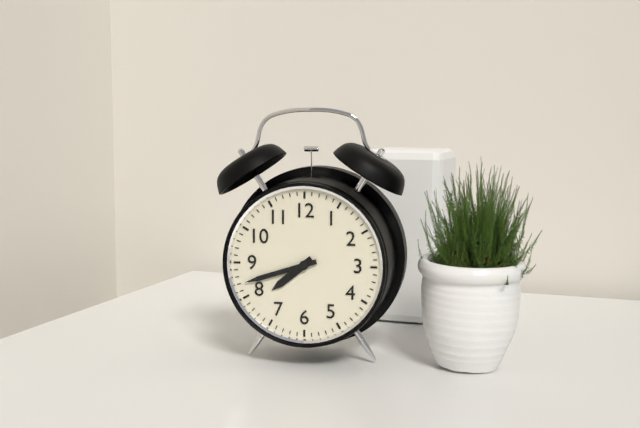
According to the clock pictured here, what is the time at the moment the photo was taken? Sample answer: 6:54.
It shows 7:42
